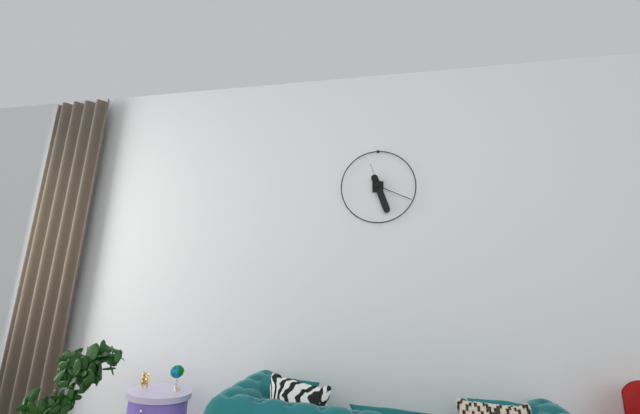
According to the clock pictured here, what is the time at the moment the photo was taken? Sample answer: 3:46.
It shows 5:19
